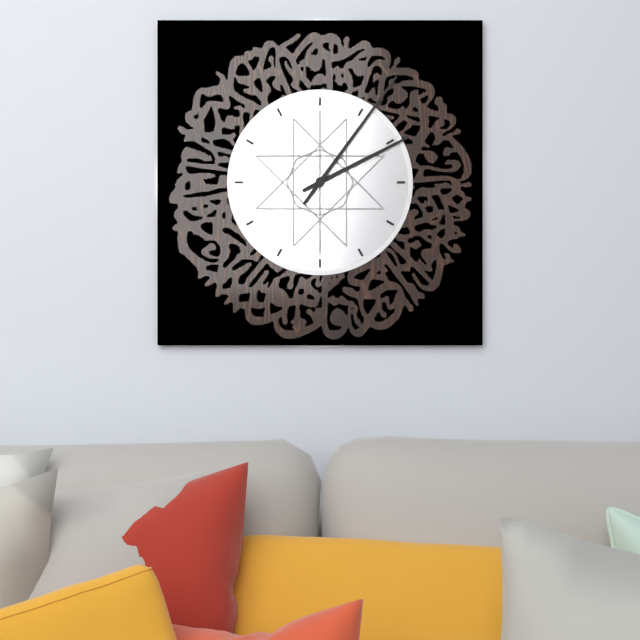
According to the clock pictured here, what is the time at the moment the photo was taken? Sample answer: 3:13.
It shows 2:06
